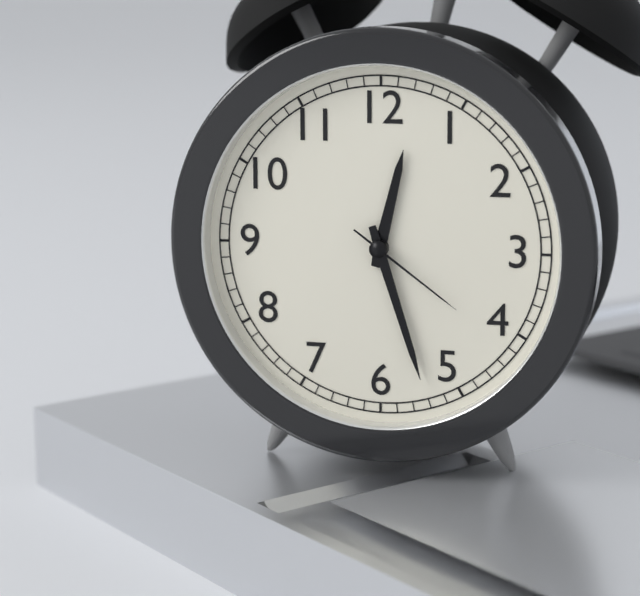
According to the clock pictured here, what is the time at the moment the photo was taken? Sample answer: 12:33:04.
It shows 12:27:21
